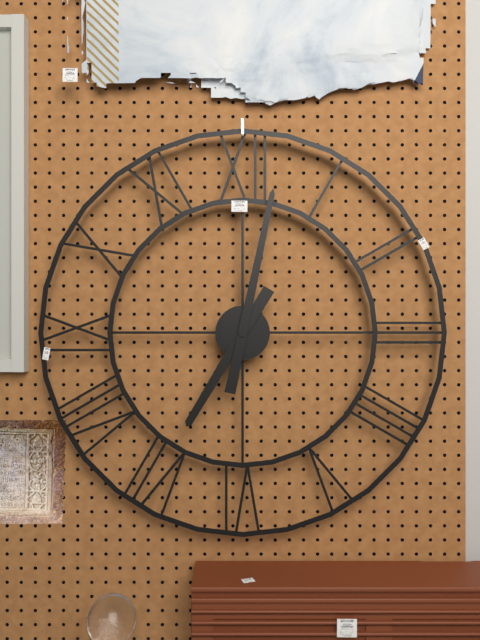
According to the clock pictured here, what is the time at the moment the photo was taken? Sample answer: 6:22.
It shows 7:02
